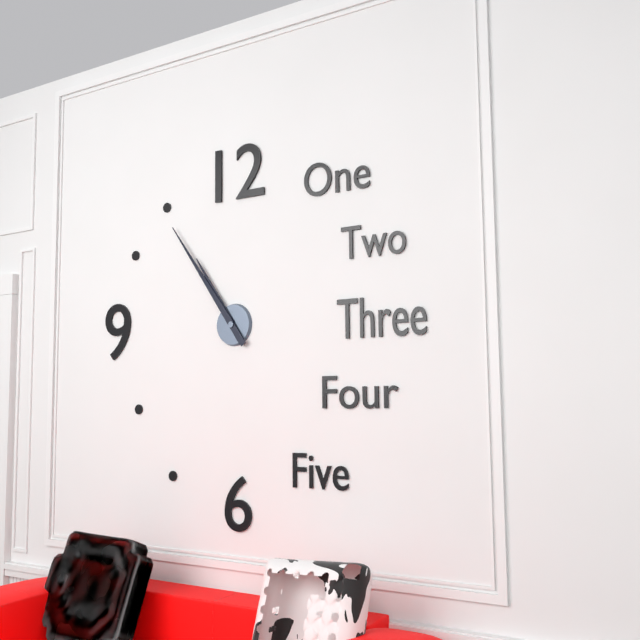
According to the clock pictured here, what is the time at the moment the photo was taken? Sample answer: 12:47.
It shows 10:54
